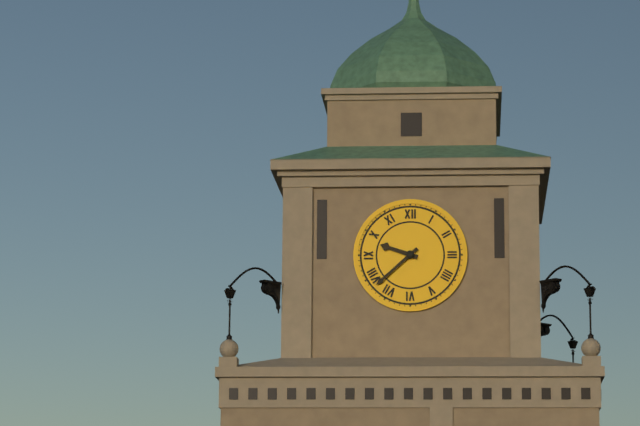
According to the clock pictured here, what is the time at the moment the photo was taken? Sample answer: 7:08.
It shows 9:38
